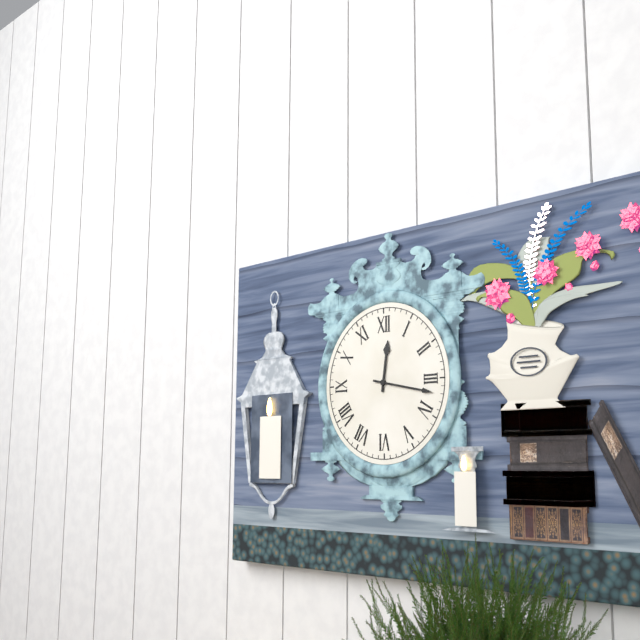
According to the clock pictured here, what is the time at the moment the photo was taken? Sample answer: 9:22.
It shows 12:17
